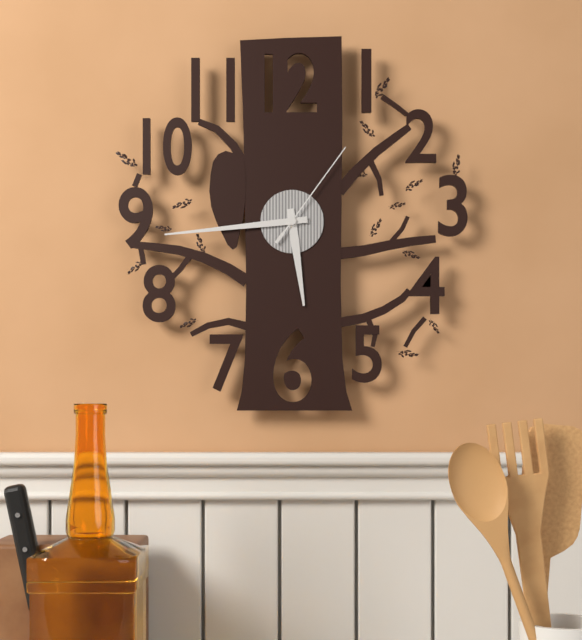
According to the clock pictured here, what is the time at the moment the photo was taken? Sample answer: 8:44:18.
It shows 5:44:06
